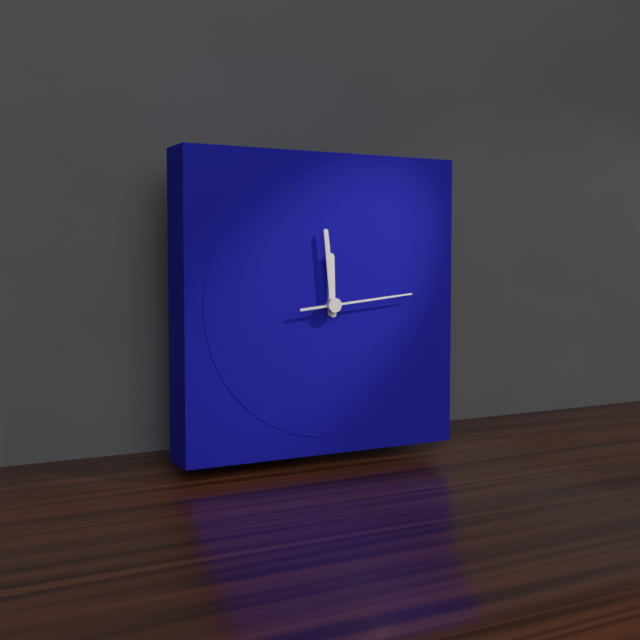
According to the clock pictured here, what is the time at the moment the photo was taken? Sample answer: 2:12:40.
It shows 11:59:14
